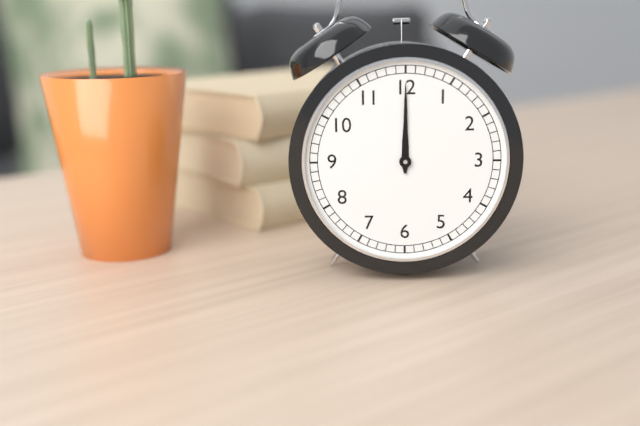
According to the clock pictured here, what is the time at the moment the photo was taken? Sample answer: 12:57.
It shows 12:00
